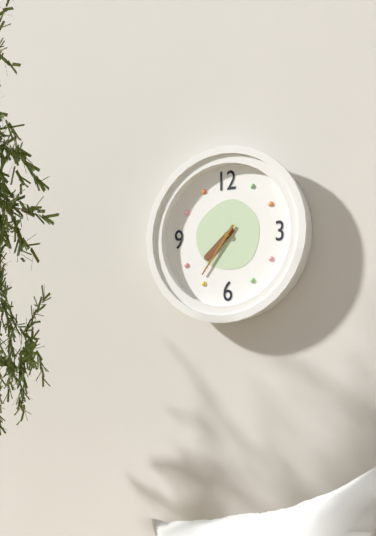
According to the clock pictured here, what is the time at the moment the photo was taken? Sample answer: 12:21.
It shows 7:36
